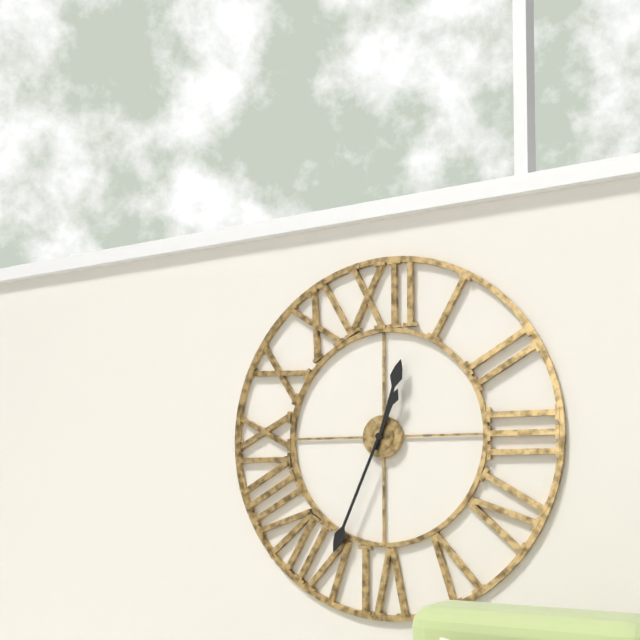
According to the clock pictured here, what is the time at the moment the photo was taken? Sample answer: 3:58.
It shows 12:34
